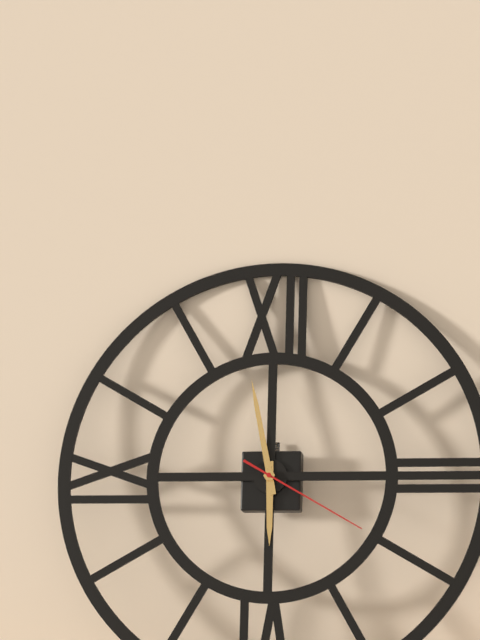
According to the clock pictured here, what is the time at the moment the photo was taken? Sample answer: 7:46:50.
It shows 5:58:20
